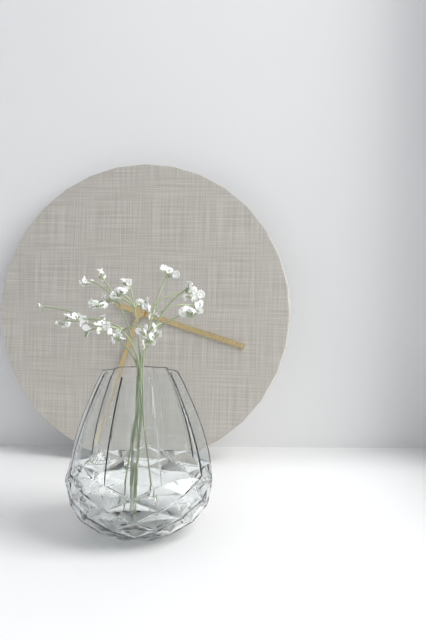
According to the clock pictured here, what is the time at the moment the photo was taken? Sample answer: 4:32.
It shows 3:33
